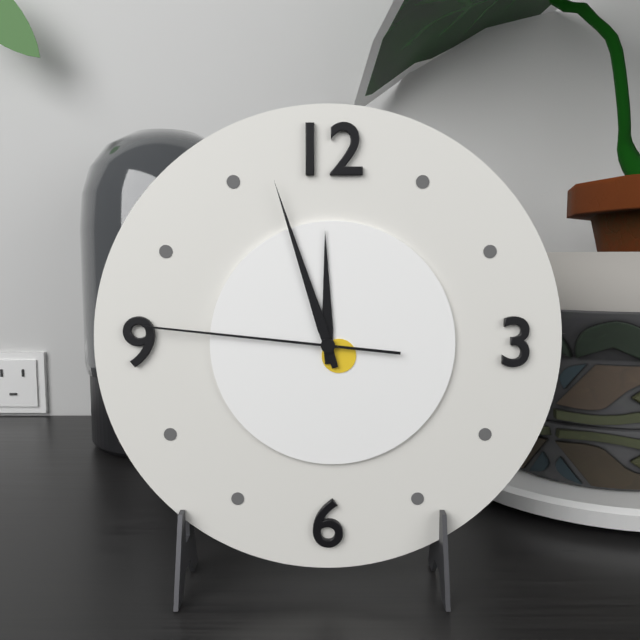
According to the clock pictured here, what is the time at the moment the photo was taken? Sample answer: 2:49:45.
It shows 11:57:46
